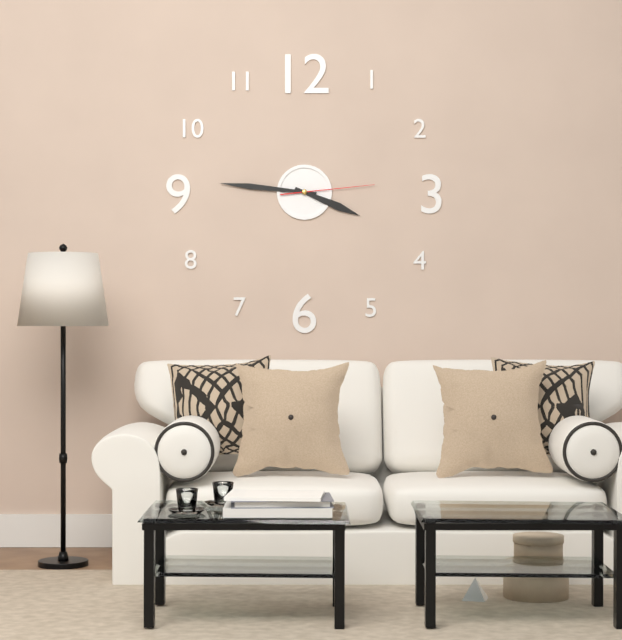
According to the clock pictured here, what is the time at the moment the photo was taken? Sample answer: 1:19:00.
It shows 3:46:14
